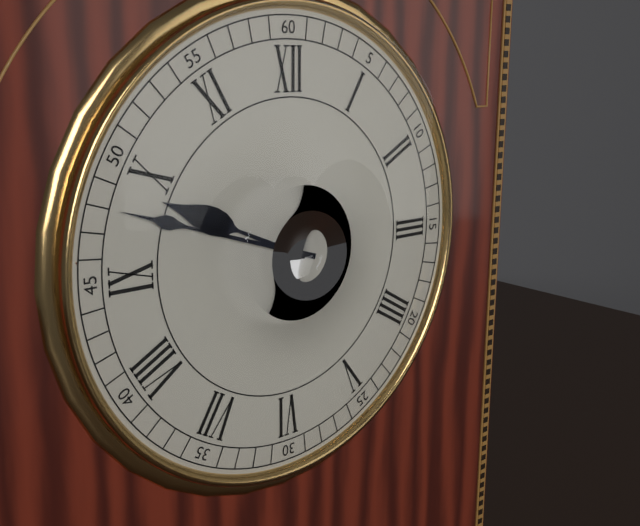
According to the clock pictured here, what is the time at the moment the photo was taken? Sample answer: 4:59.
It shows 9:48
